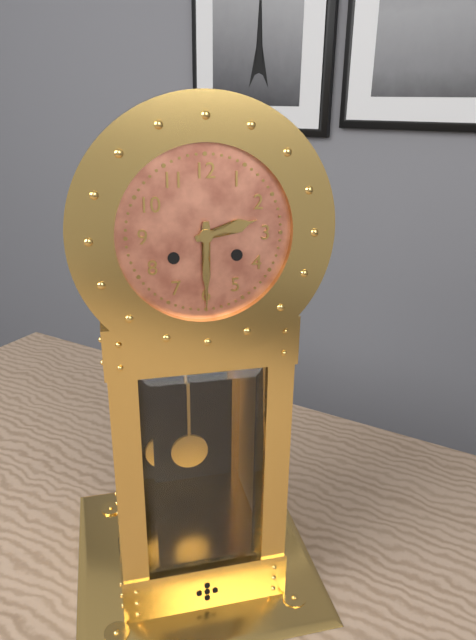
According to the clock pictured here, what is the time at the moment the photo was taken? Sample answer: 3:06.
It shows 2:30
